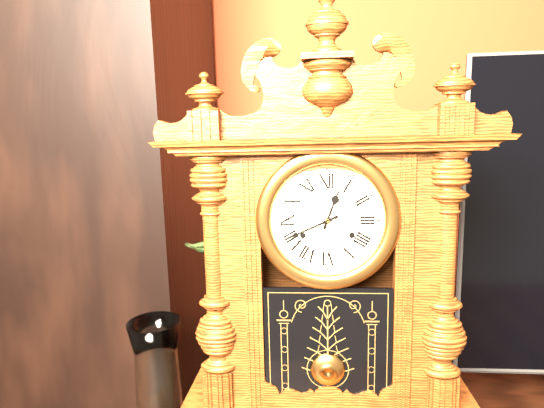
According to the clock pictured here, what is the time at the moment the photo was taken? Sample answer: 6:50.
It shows 12:41
